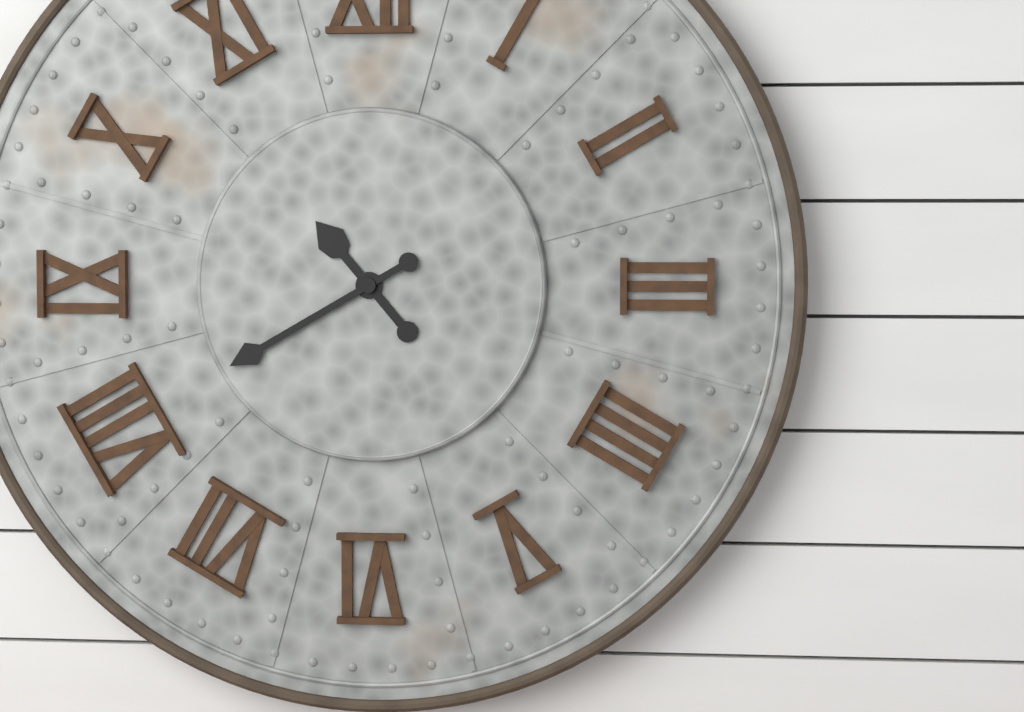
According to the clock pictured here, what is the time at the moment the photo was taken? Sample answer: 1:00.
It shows 10:40
